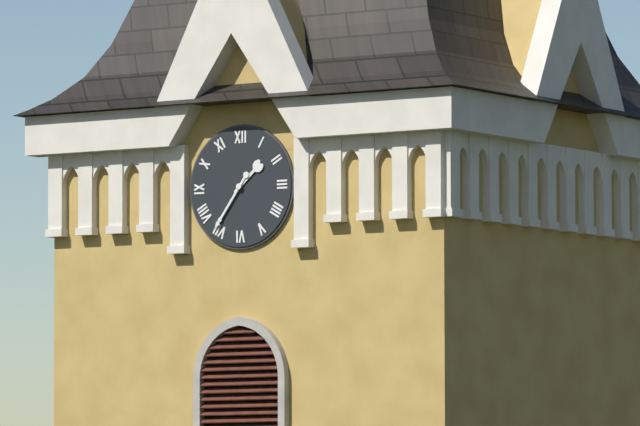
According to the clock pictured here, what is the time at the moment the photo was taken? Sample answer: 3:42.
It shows 1:36
